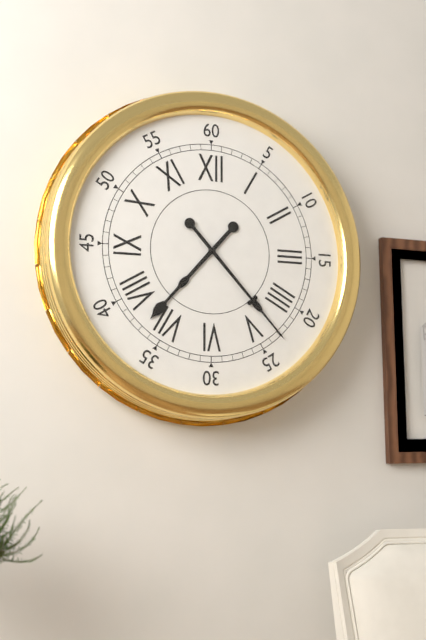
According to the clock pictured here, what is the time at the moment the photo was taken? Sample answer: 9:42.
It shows 7:23
